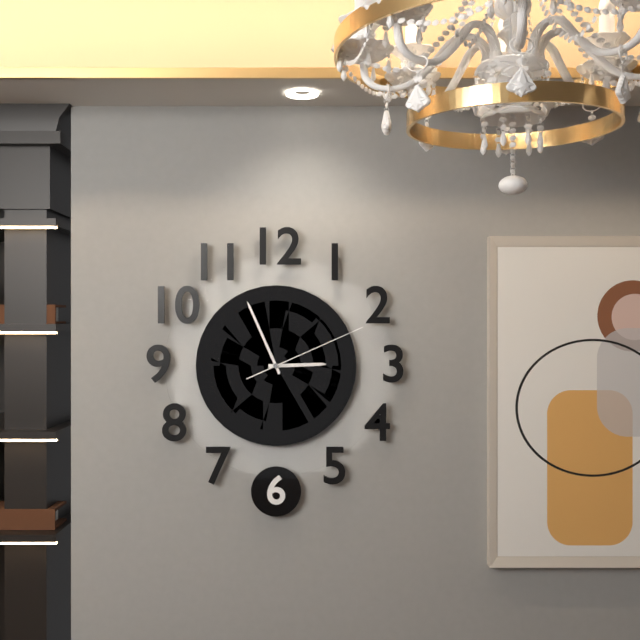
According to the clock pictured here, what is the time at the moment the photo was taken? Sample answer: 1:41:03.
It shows 2:56:11
